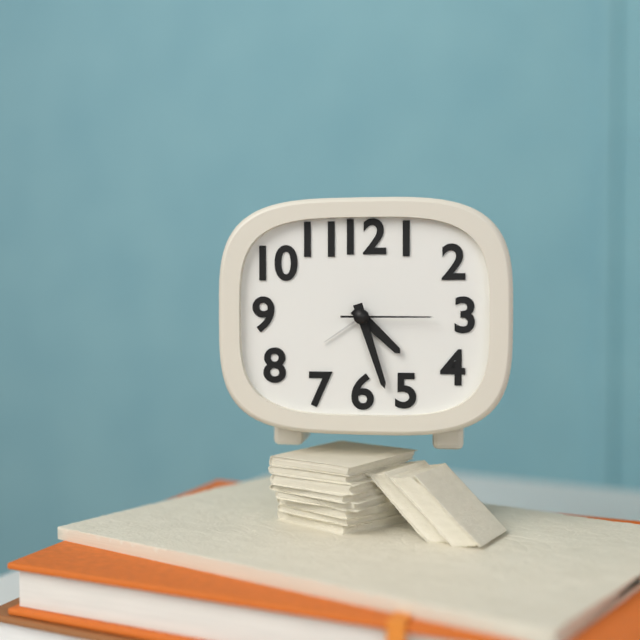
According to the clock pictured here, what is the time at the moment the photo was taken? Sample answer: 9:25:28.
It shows 4:27:15
